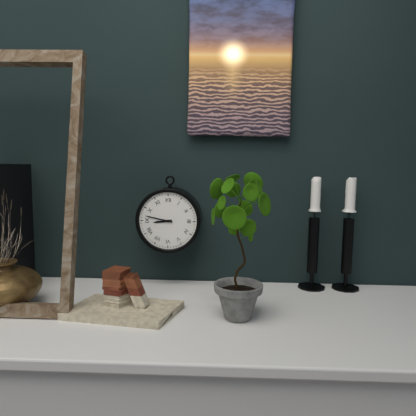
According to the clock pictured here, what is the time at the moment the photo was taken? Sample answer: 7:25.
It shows 8:47
